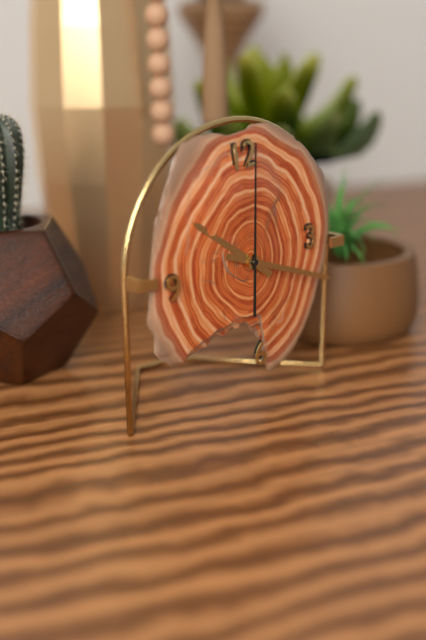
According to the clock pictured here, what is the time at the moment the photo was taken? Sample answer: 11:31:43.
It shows 10:19:01
